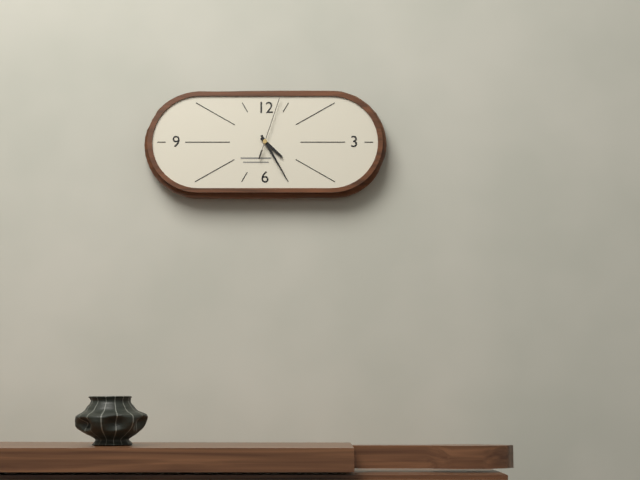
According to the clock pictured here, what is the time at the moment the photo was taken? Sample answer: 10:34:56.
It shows 4:25:03
